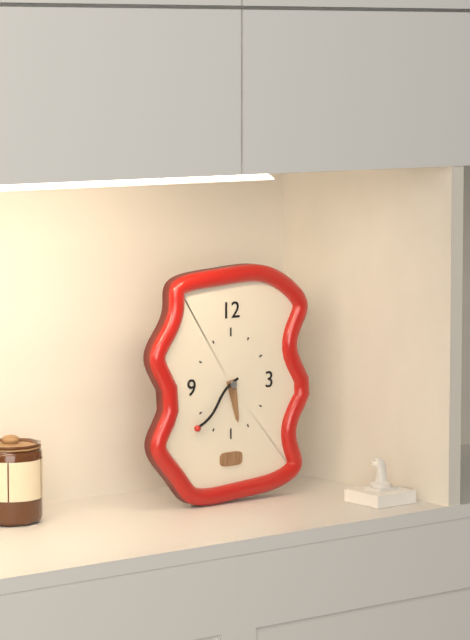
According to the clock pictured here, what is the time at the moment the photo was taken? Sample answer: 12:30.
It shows 5:38
